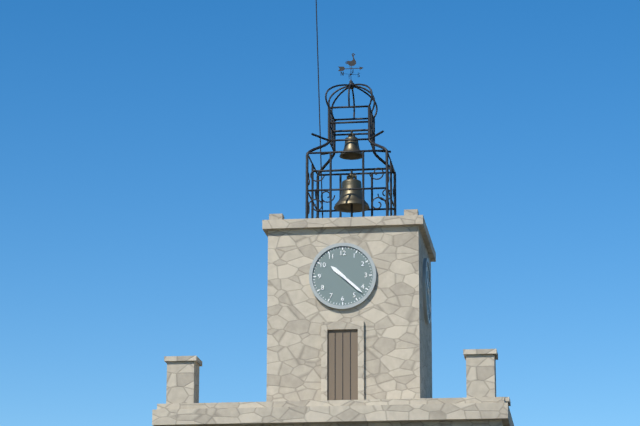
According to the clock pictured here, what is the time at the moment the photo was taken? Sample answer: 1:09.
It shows 10:22
